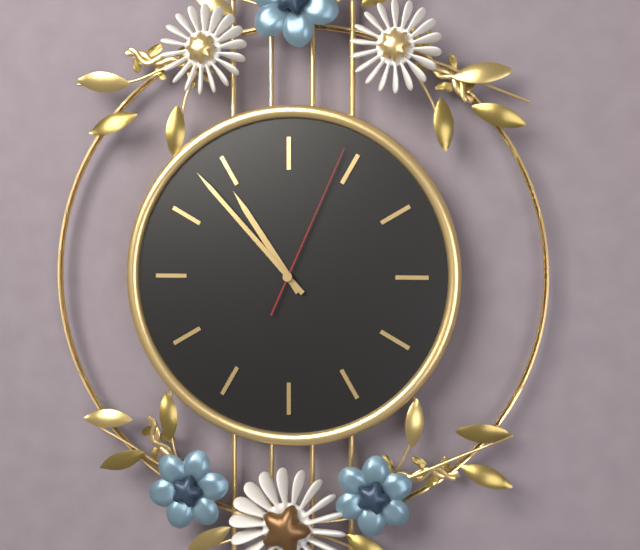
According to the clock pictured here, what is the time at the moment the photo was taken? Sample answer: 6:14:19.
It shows 10:53:04
